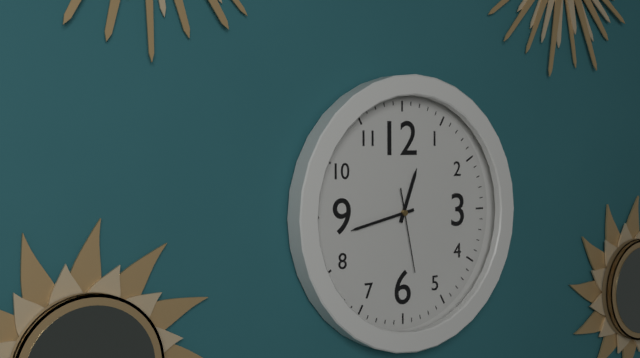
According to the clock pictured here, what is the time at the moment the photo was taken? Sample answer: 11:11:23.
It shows 12:43:28
